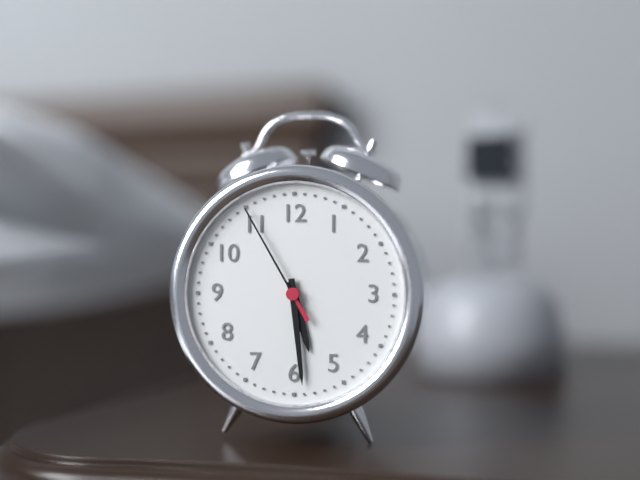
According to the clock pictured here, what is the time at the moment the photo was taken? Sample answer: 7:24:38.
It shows 5:29:55
